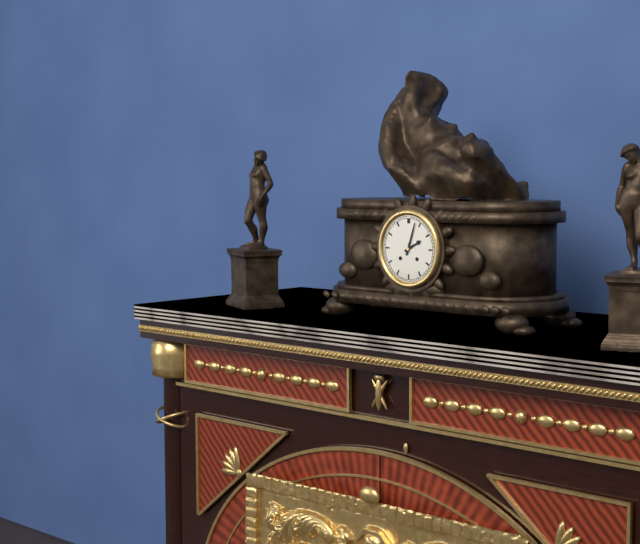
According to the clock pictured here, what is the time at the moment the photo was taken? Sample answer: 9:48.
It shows 2:03
